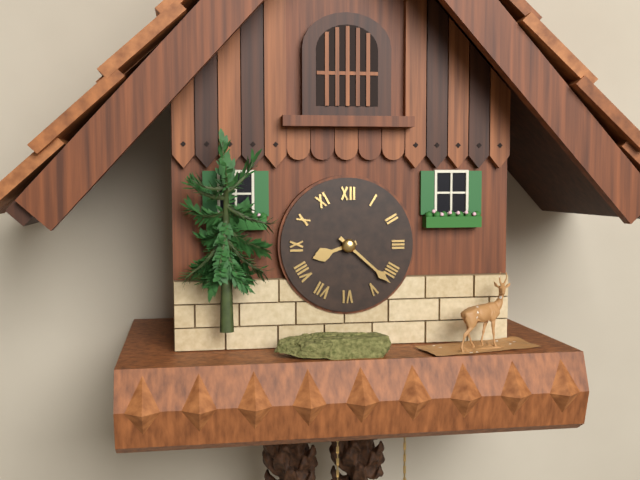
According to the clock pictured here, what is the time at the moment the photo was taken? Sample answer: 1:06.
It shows 8:22
